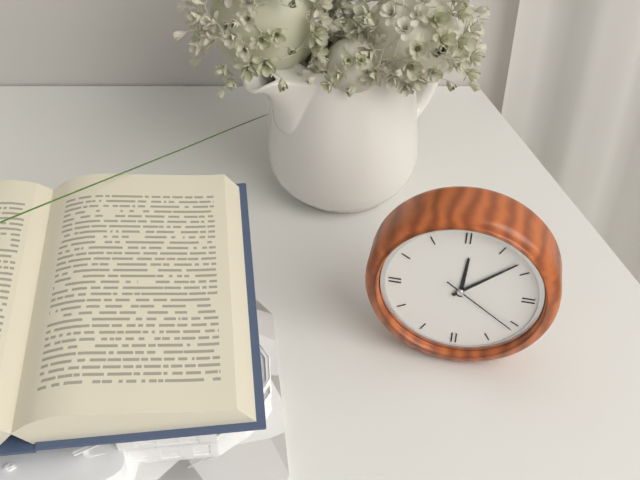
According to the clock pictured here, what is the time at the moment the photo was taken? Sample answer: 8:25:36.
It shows 12:08:21
